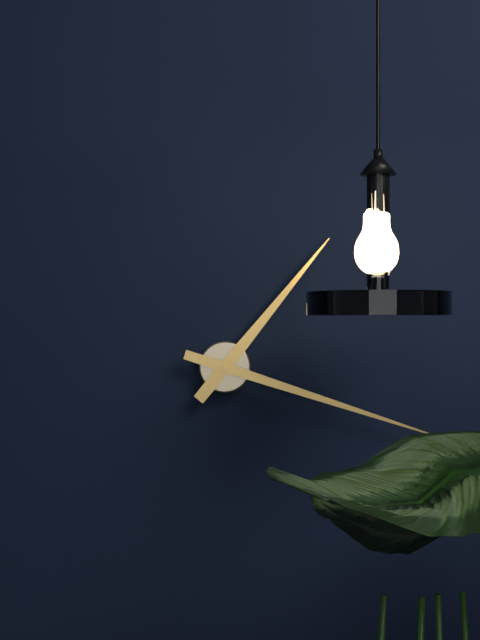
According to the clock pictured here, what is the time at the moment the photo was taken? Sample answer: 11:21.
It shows 1:18
